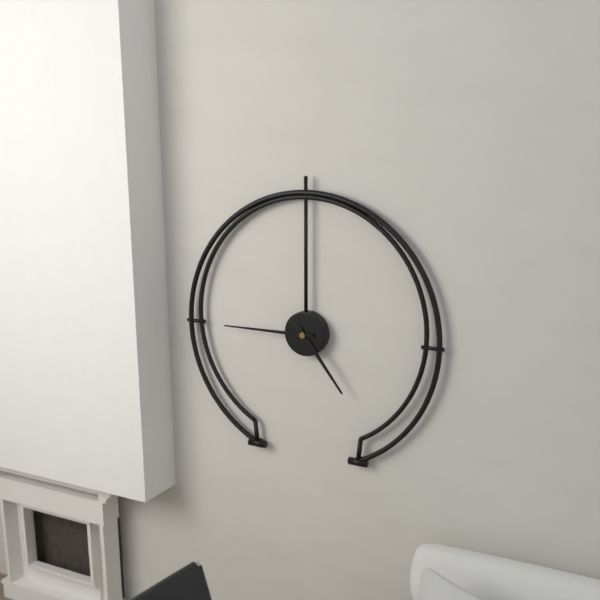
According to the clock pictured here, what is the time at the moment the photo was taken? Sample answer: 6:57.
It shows 4:45
